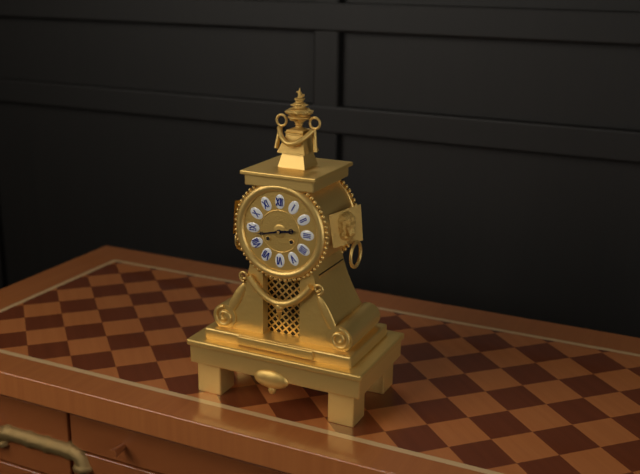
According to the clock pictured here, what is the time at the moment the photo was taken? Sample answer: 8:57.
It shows 2:43
